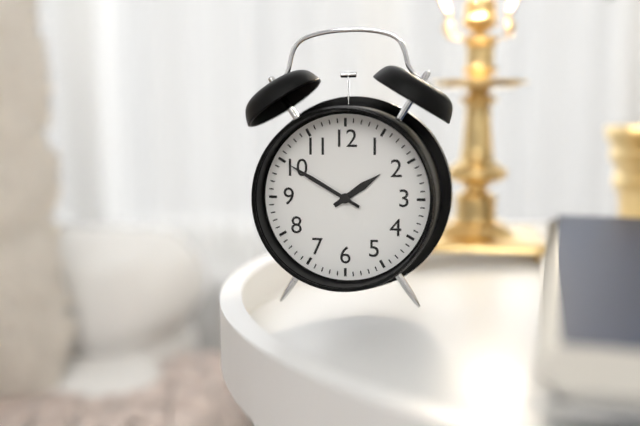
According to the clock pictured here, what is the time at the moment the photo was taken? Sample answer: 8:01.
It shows 1:50
